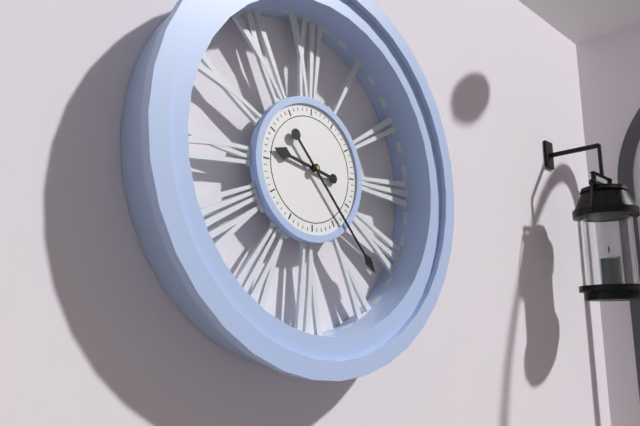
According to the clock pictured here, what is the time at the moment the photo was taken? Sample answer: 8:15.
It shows 9:23
